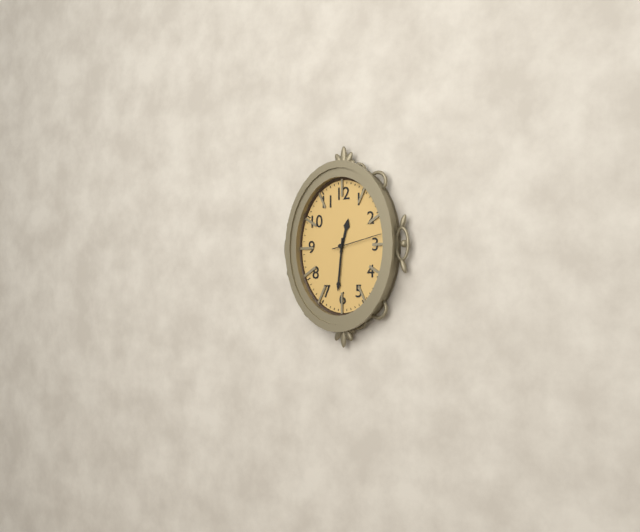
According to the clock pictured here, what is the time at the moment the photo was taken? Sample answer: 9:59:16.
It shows 12:31:13
